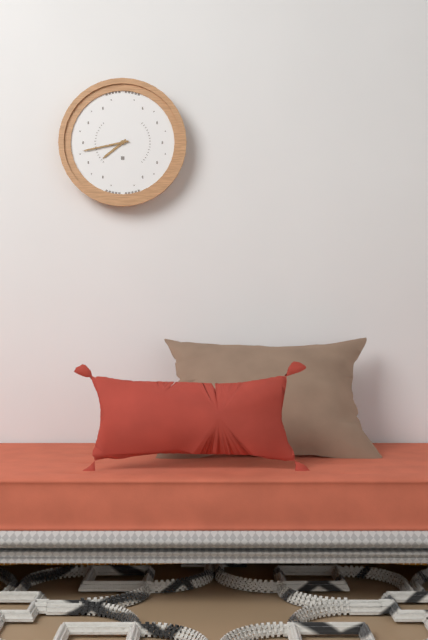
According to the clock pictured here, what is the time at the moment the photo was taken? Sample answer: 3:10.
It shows 7:43
